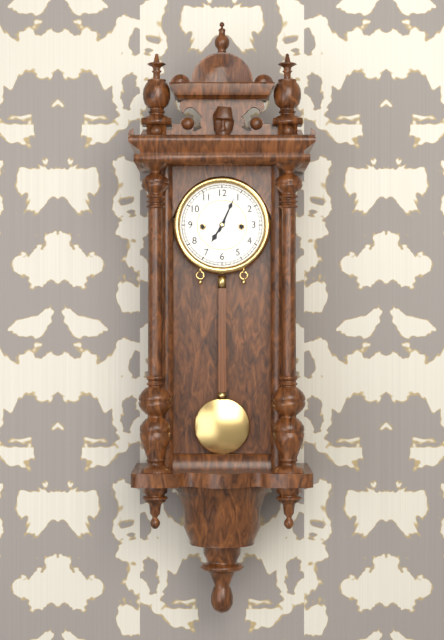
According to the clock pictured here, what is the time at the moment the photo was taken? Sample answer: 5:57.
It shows 7:04
